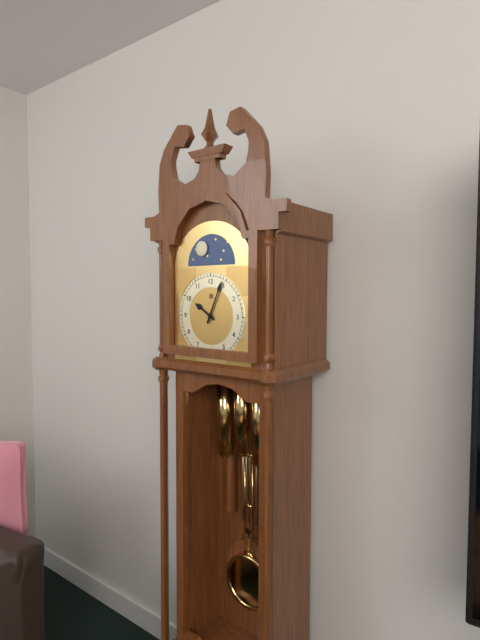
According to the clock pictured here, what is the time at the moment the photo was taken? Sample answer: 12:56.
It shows 10:04
